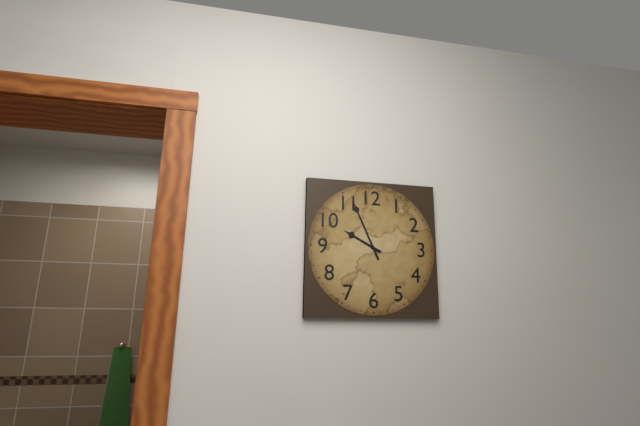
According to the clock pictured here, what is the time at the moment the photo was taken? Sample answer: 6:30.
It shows 9:56
